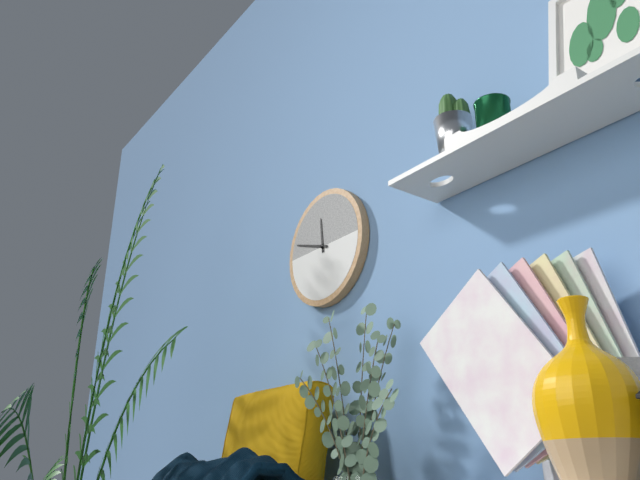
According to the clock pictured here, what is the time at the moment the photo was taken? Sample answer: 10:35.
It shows 11:48
